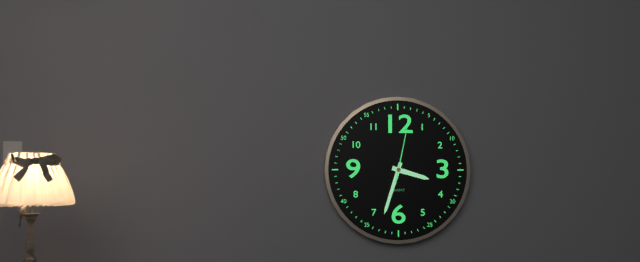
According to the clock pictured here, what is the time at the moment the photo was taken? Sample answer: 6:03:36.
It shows 3:33:02
